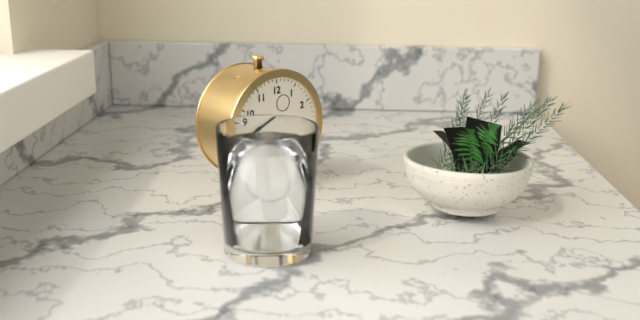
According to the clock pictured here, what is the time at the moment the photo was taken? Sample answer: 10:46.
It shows 8:19
